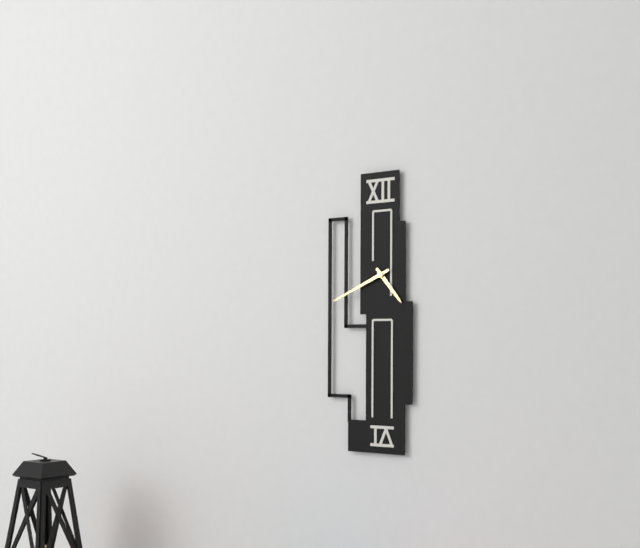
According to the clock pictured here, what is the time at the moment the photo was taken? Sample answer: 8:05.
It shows 4:41
